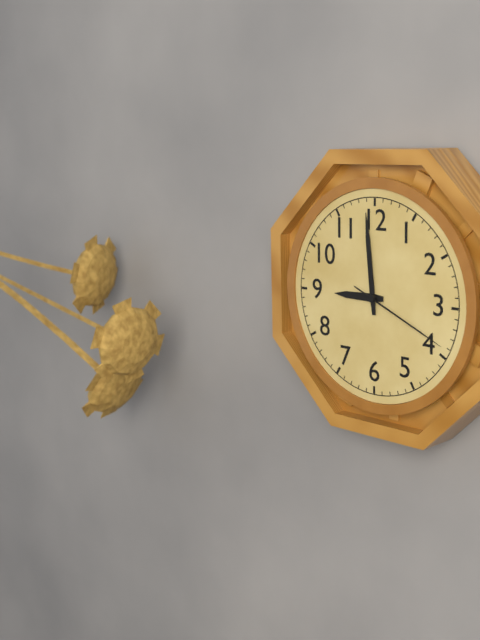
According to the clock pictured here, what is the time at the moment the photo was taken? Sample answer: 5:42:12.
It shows 8:59:19
